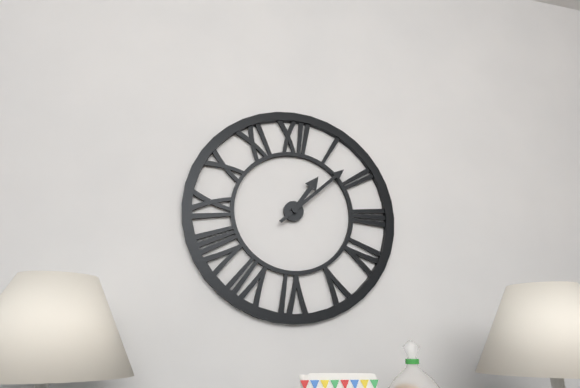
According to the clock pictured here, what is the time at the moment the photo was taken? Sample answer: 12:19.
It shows 1:08
